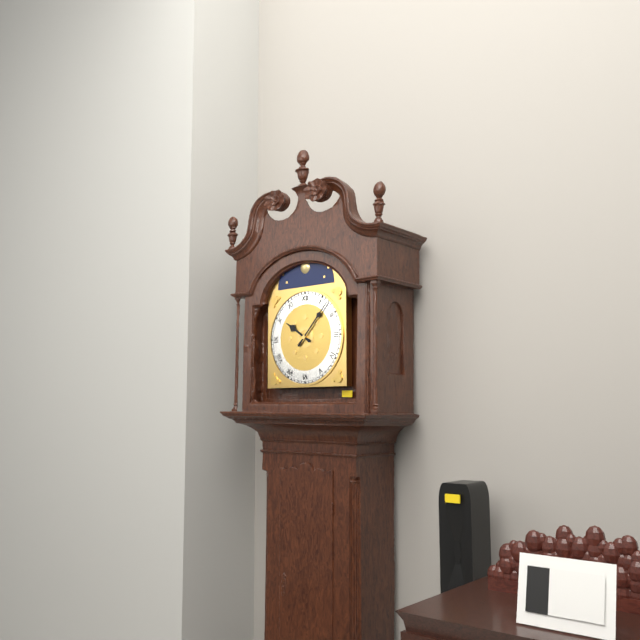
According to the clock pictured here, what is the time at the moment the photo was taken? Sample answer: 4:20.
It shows 10:07
